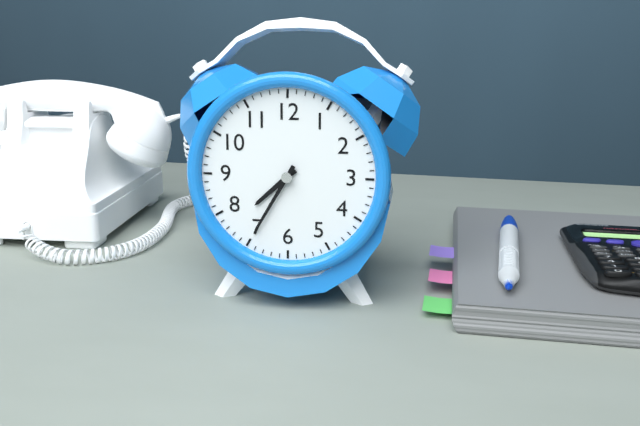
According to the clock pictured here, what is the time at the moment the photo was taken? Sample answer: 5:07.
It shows 7:35
